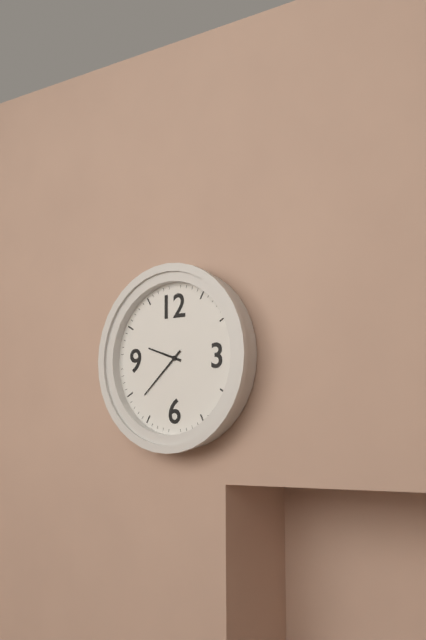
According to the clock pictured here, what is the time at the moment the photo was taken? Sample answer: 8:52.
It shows 9:38
